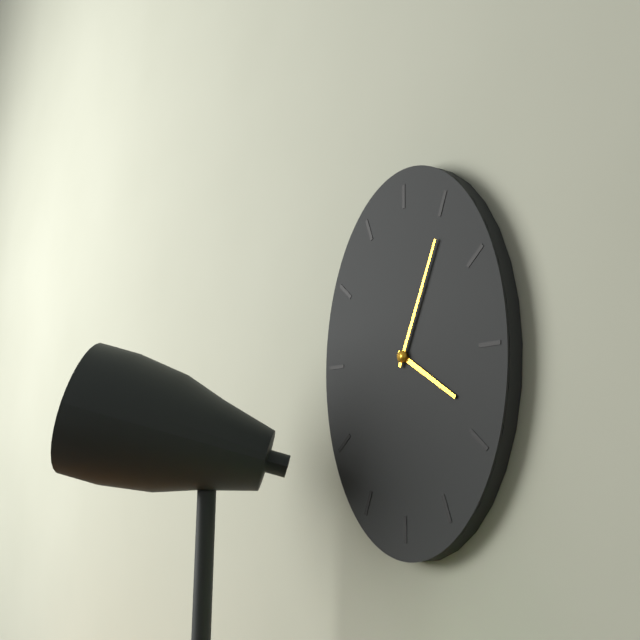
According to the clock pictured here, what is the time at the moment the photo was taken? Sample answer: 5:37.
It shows 4:04
